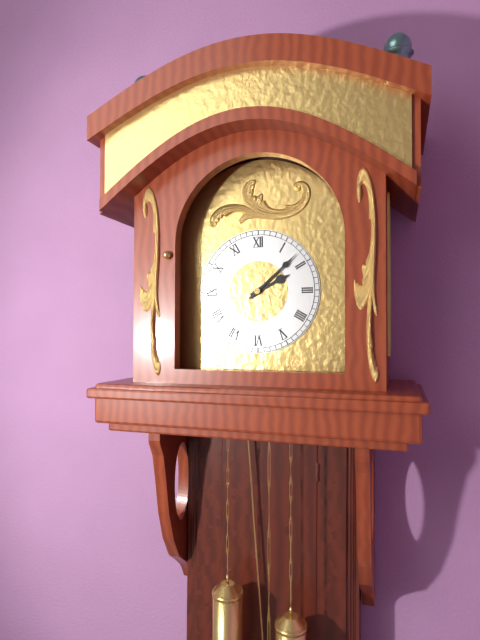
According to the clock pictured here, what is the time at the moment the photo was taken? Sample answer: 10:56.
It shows 2:08
